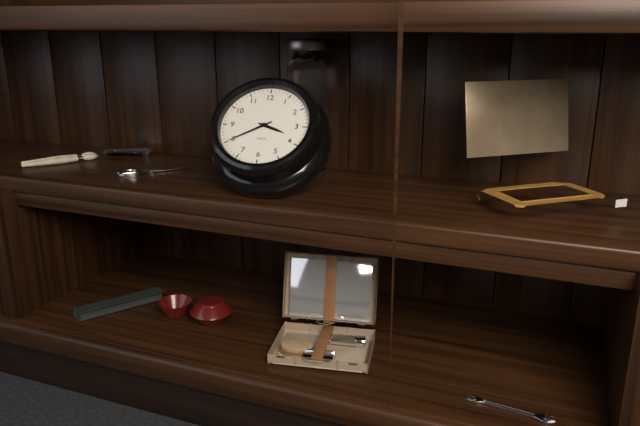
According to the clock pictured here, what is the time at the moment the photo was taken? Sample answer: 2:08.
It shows 3:40
